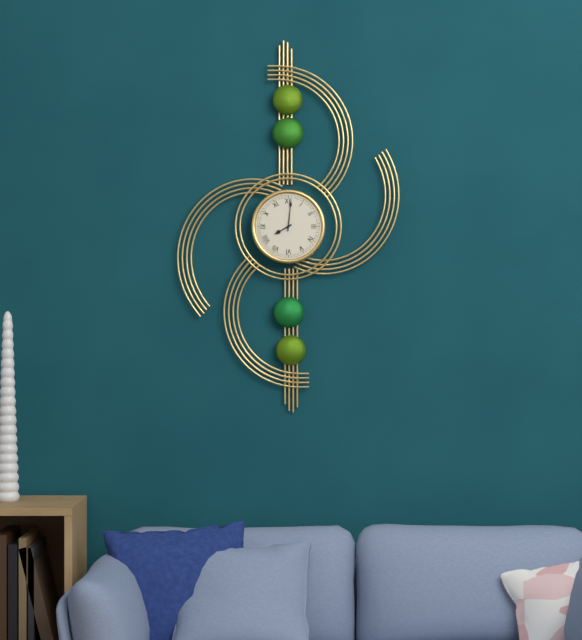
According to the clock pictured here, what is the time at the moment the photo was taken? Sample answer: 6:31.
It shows 8:01
